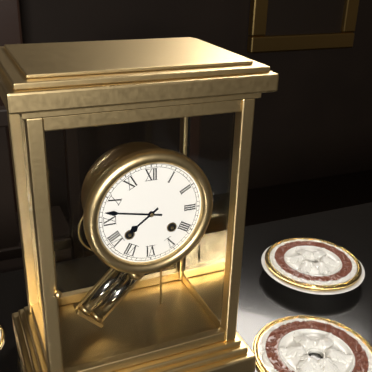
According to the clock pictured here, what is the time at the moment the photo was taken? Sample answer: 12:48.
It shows 7:47
